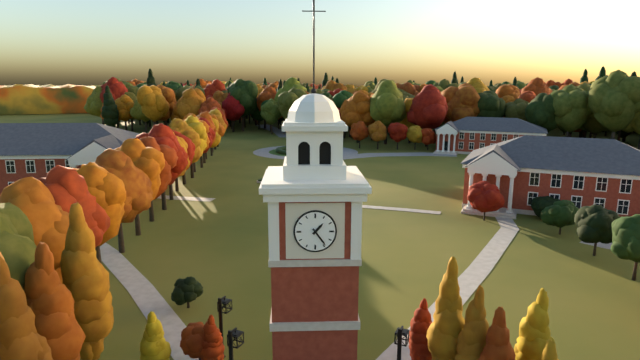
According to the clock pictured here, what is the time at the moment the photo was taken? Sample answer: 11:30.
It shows 1:24
